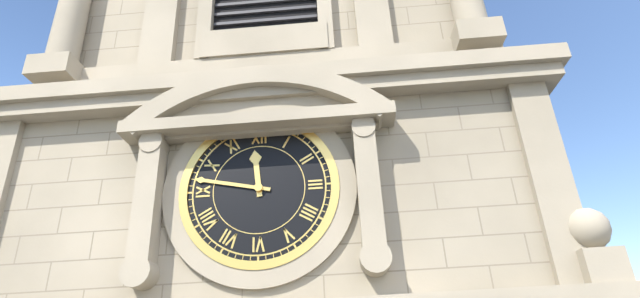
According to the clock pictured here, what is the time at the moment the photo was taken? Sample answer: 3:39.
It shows 11:47
